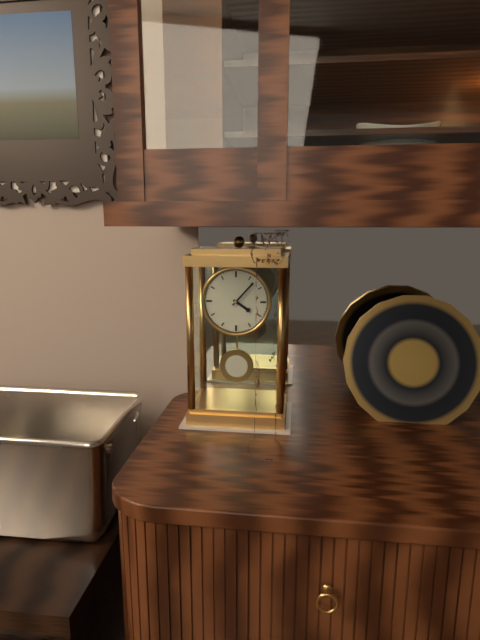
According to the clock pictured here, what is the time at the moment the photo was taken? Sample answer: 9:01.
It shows 4:07
